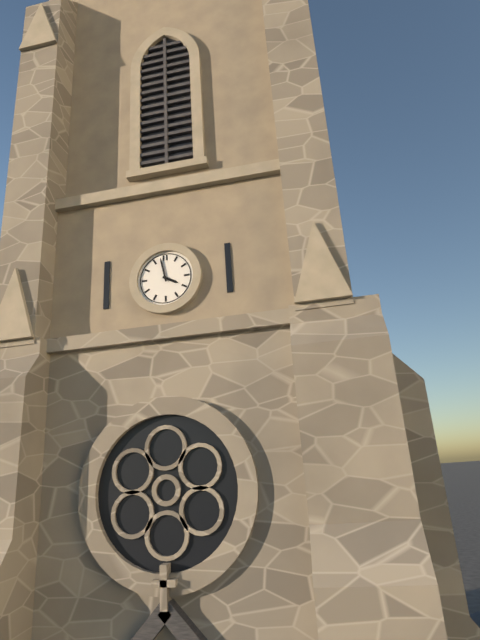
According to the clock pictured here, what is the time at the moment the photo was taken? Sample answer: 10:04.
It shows 3:58
